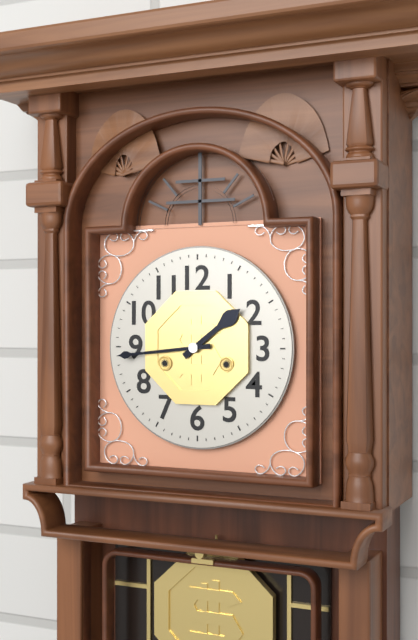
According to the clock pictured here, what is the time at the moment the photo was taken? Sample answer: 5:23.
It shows 1:44
